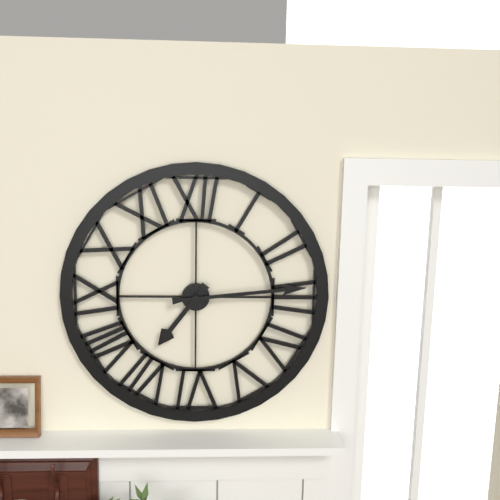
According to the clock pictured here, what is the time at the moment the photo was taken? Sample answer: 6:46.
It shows 7:14
